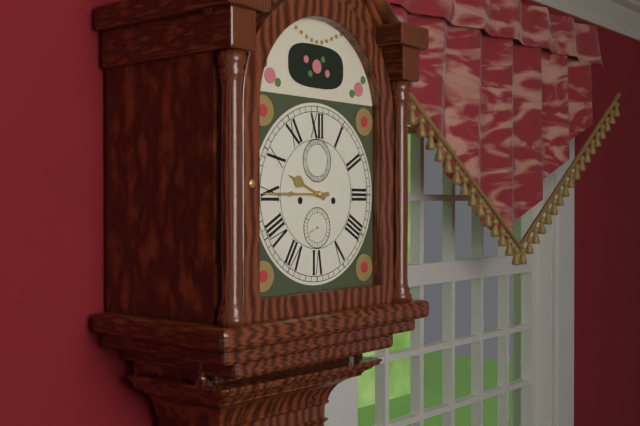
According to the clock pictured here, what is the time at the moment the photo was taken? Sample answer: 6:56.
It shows 9:45
